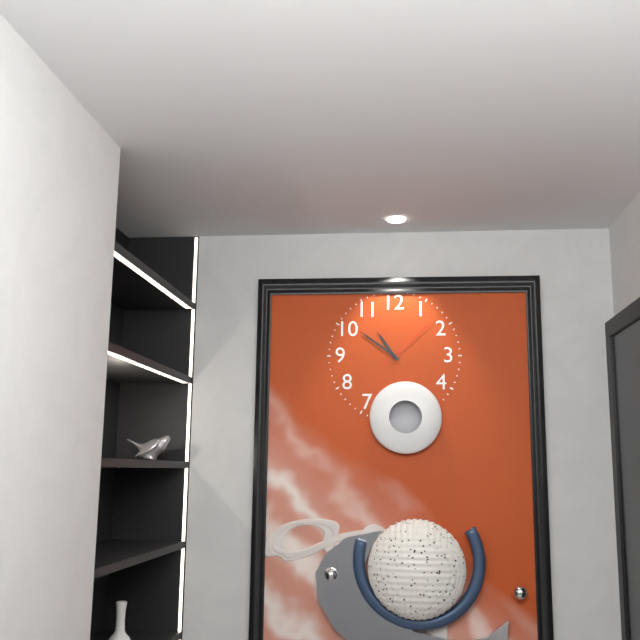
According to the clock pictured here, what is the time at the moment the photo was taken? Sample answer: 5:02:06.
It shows 10:51:08
